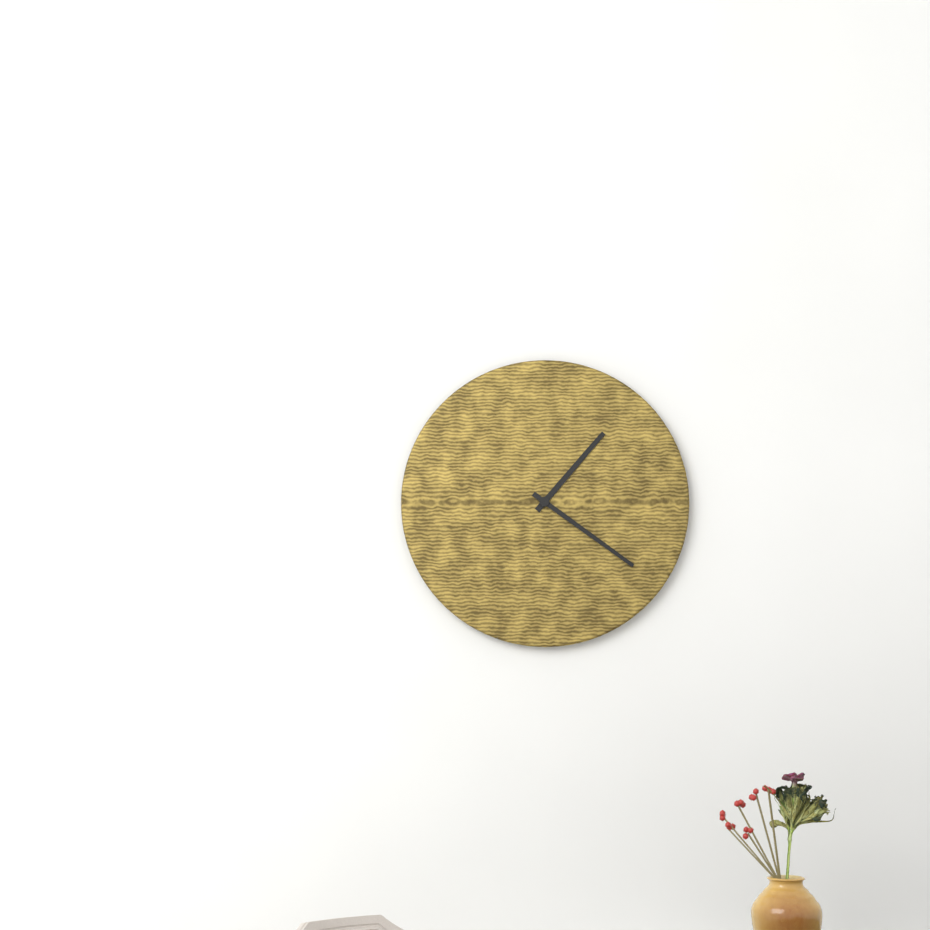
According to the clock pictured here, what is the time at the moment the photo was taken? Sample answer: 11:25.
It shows 1:21
